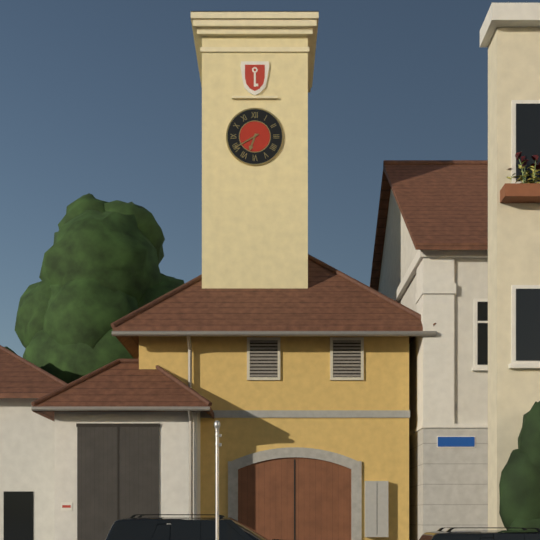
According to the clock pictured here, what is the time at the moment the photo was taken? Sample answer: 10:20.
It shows 6:40
